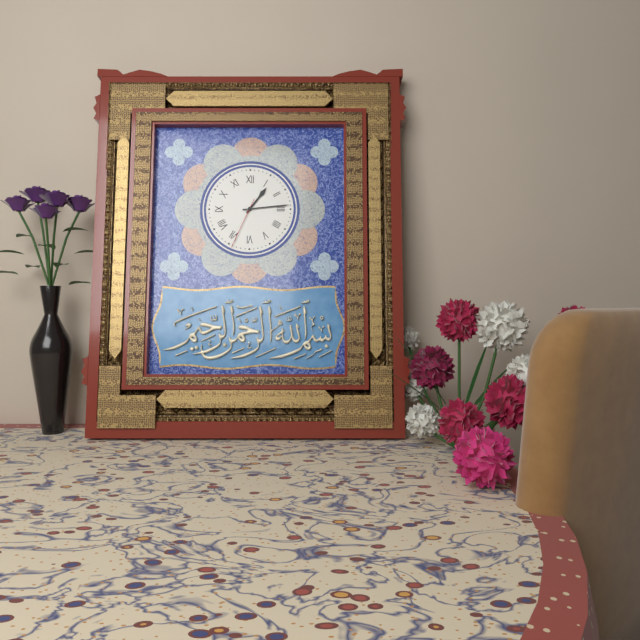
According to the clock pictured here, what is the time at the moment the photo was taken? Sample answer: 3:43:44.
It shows 1:14:34
